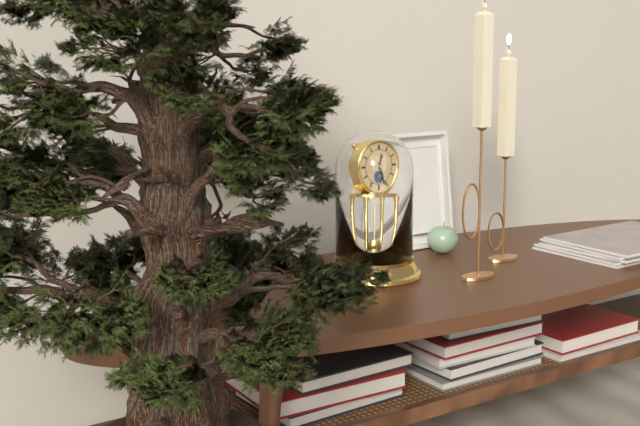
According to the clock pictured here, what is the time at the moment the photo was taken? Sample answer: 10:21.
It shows 12:27
